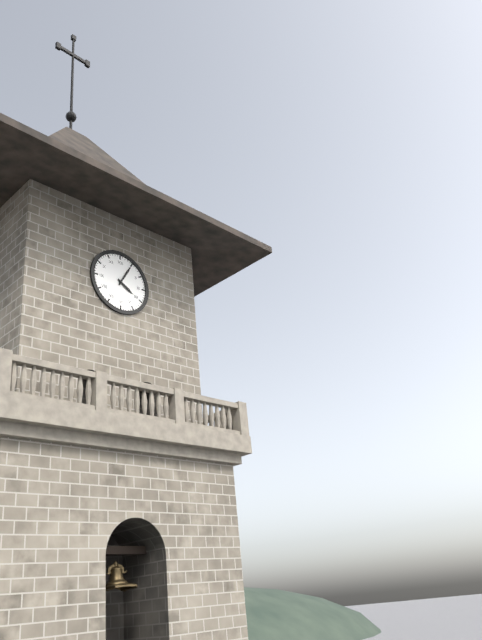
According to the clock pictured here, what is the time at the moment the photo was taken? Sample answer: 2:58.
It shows 4:05
